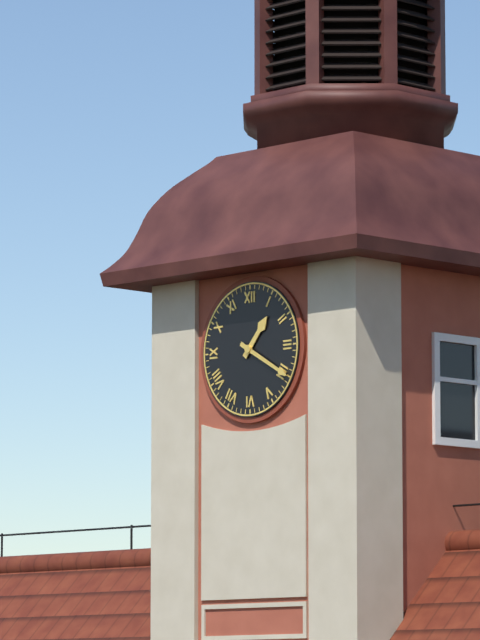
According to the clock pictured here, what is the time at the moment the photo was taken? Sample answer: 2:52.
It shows 1:20
